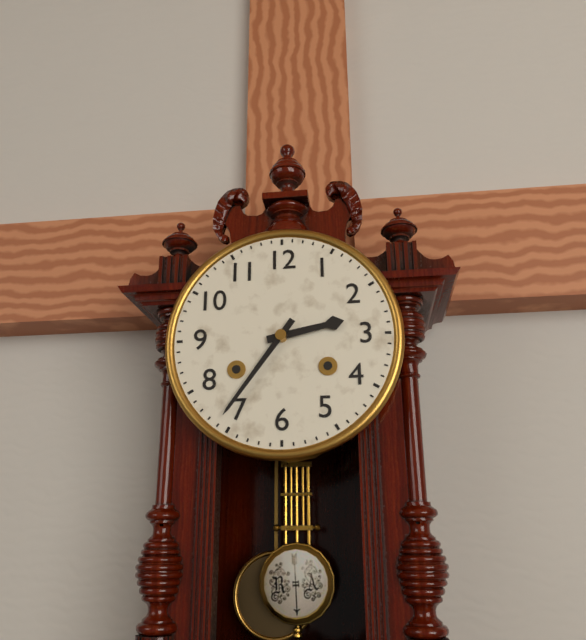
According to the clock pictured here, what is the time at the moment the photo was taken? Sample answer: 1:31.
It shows 2:36
